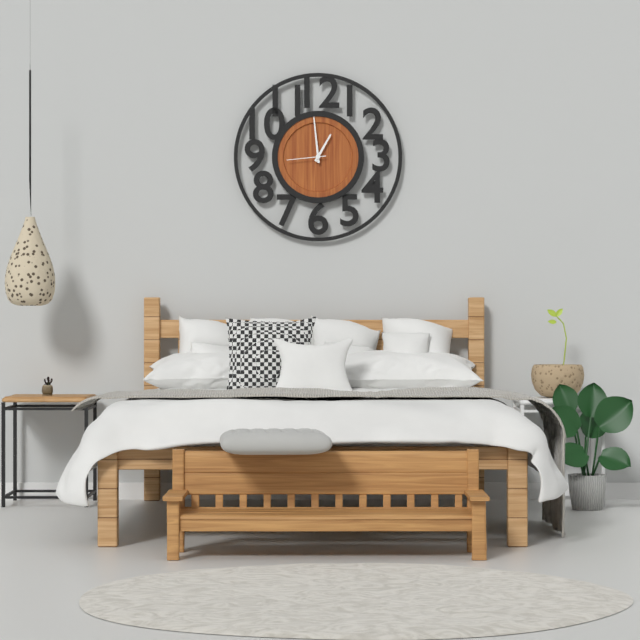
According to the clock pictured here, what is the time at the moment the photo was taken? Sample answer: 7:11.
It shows 12:59
